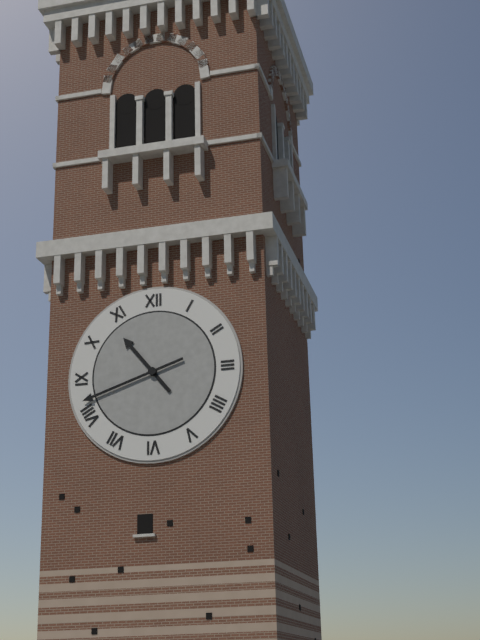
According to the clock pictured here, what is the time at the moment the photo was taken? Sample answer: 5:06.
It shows 10:42
